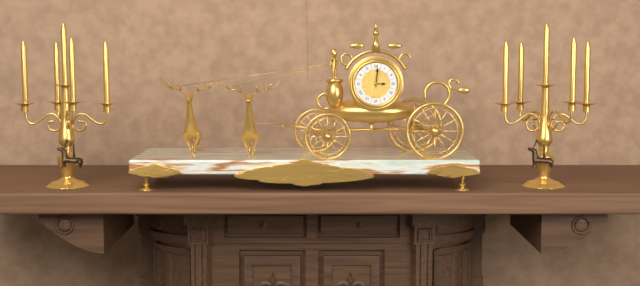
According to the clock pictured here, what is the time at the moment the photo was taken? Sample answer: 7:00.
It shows 3:01
